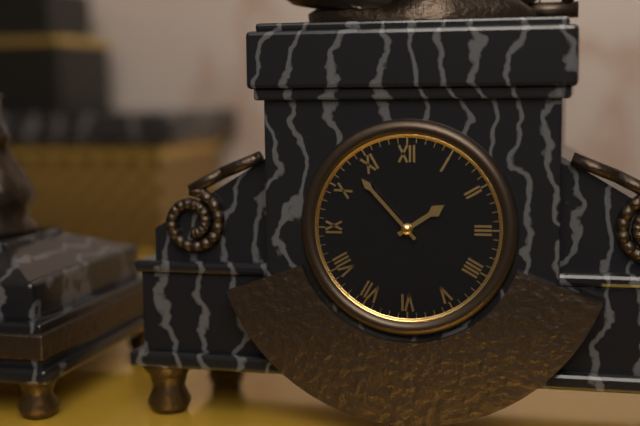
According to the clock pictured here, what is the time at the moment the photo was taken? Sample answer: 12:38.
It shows 1:53
